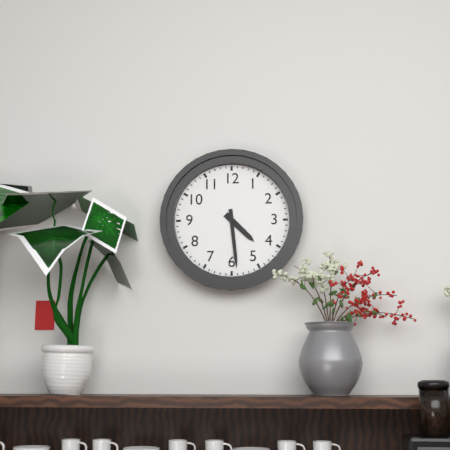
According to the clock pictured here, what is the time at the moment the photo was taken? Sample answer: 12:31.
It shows 4:29
